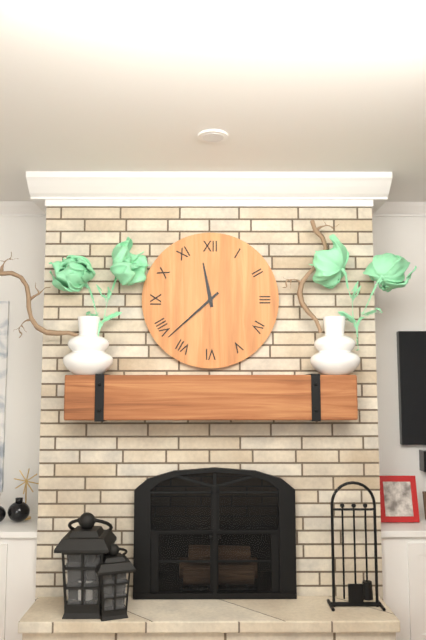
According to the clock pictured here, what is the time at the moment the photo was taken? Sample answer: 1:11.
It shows 11:38
